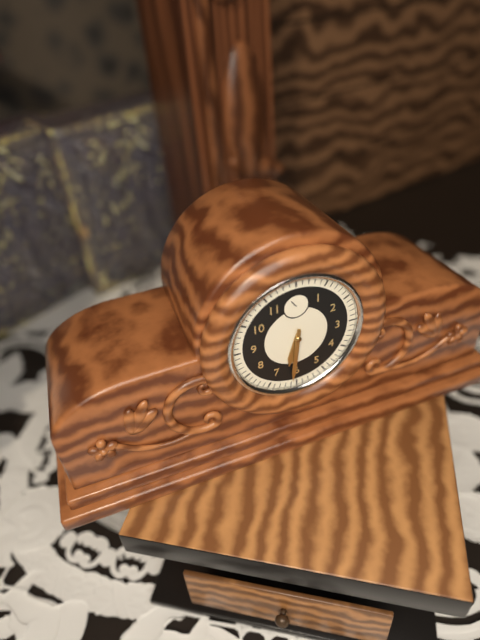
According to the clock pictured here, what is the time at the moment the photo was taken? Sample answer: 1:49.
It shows 6:31
